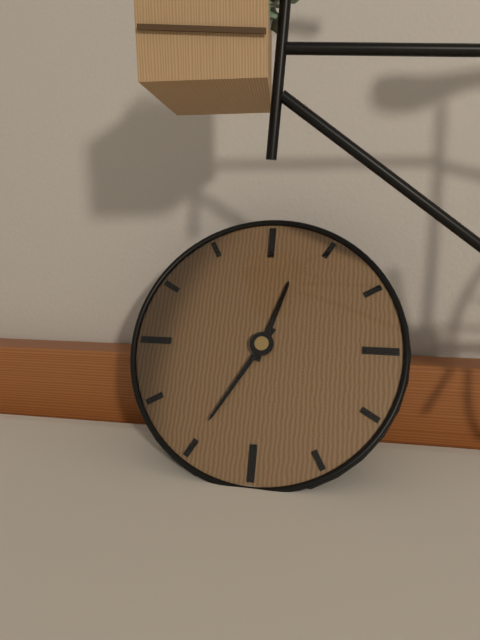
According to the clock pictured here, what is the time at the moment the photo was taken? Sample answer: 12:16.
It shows 12:35
